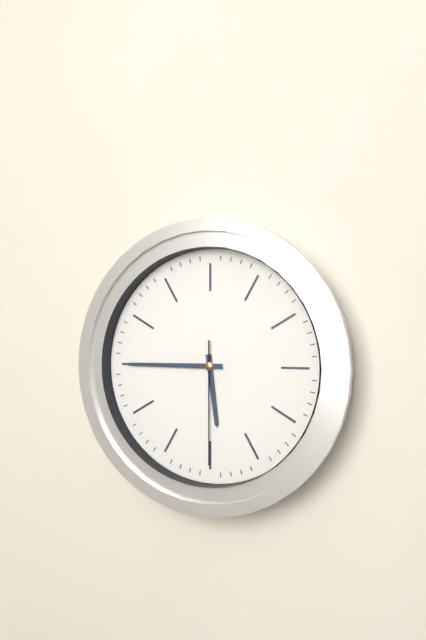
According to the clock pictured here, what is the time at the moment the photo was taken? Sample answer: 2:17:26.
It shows 5:45:30
